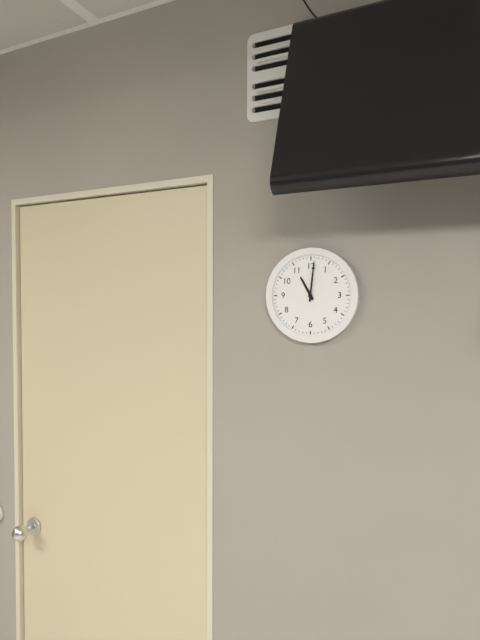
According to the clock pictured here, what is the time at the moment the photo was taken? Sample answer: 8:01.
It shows 11:01
